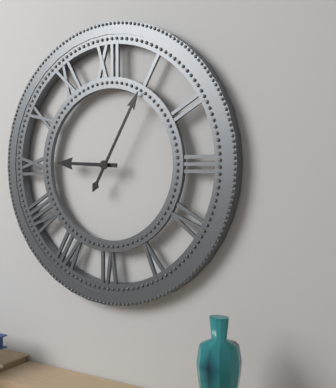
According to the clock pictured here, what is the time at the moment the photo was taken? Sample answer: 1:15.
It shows 9:05
